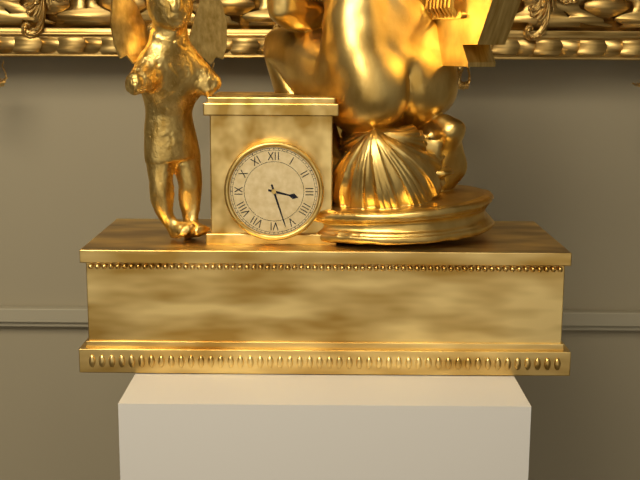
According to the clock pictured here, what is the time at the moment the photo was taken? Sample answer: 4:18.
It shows 3:27
